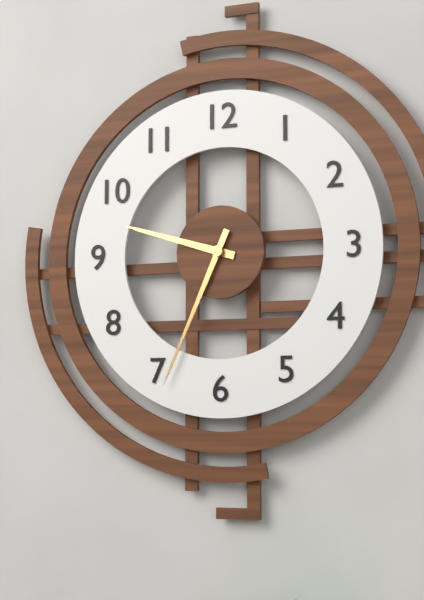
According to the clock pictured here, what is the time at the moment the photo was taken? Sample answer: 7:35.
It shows 9:34
